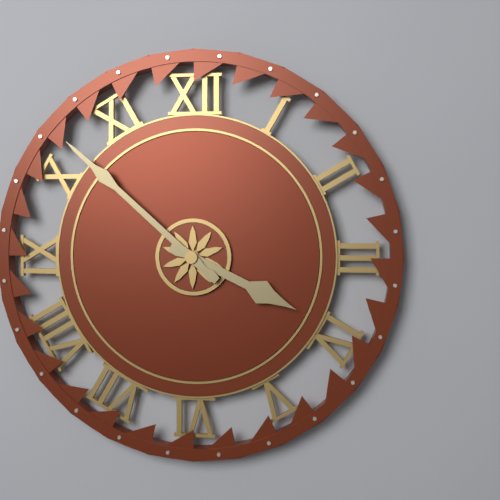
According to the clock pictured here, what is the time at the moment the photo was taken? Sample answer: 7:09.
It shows 3:52
